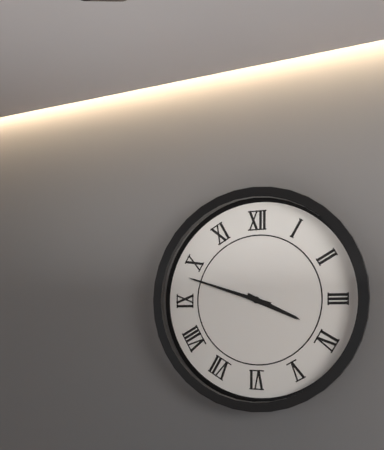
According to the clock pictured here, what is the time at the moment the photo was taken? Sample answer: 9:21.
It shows 3:48
